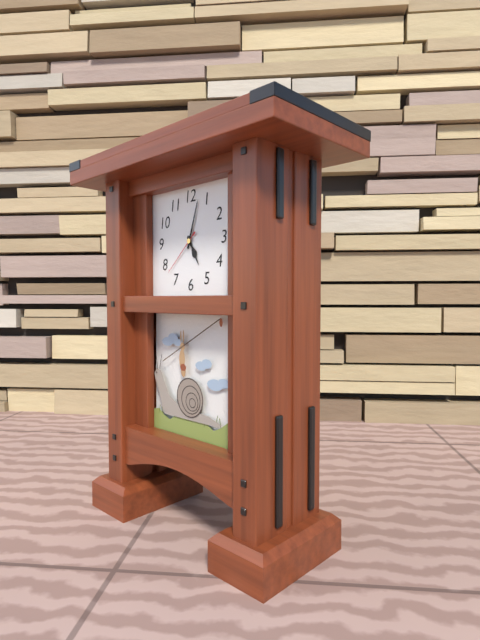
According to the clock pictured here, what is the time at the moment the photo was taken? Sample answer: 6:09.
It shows 5:03
